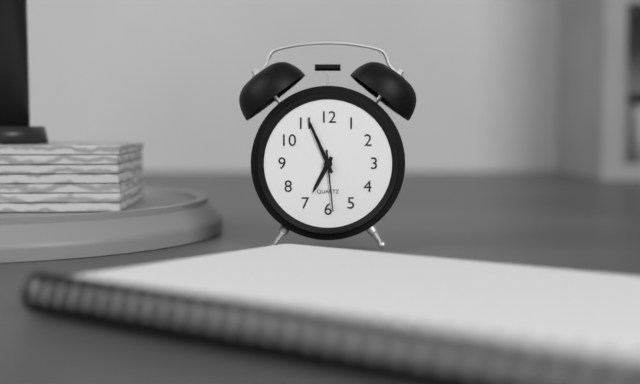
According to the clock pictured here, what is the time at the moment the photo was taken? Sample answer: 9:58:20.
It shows 6:56:29
